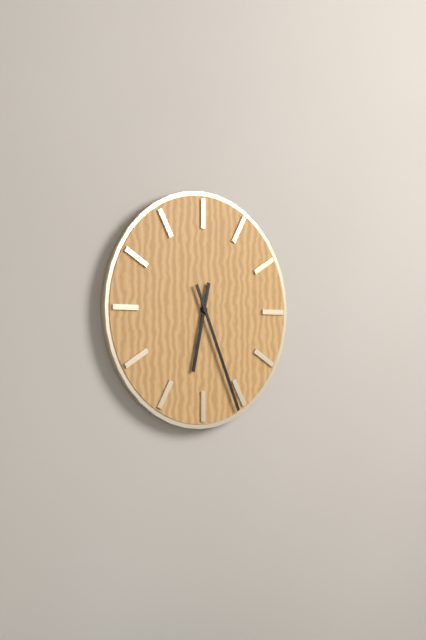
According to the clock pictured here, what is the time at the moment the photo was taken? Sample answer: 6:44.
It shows 6:26
